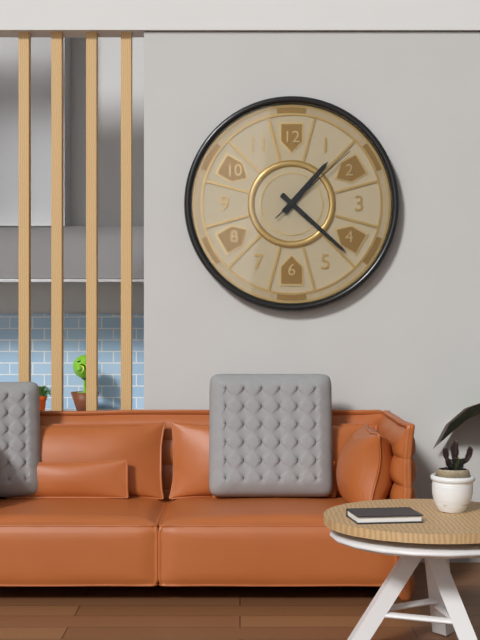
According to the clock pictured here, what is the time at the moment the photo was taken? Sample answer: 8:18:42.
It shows 1:22:08
